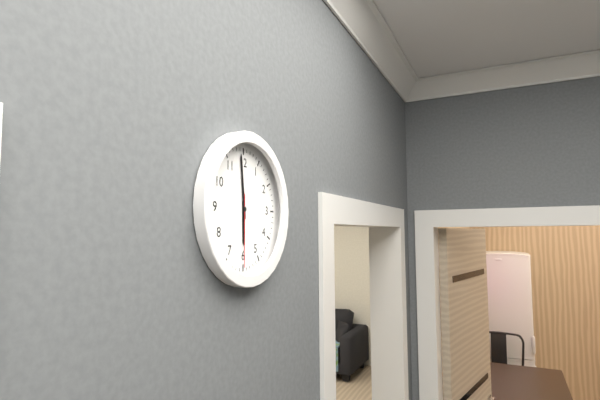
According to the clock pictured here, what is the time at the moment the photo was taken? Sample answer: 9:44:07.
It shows 5:59:30
